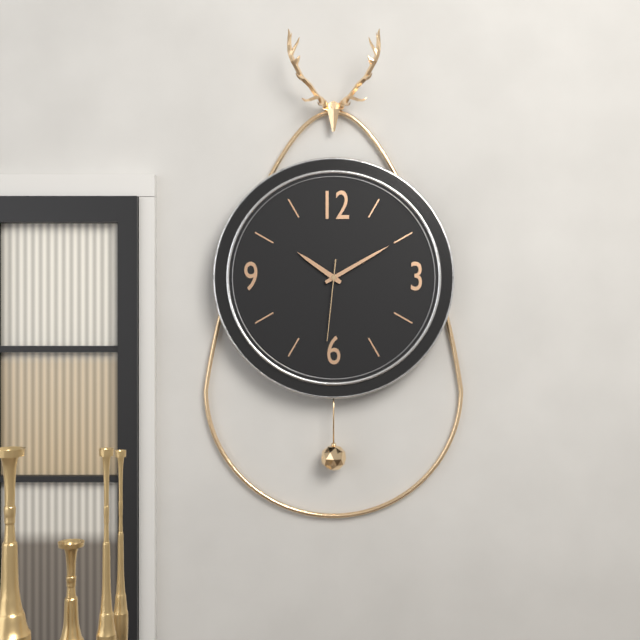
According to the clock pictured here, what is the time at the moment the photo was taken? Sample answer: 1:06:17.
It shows 10:10:31
